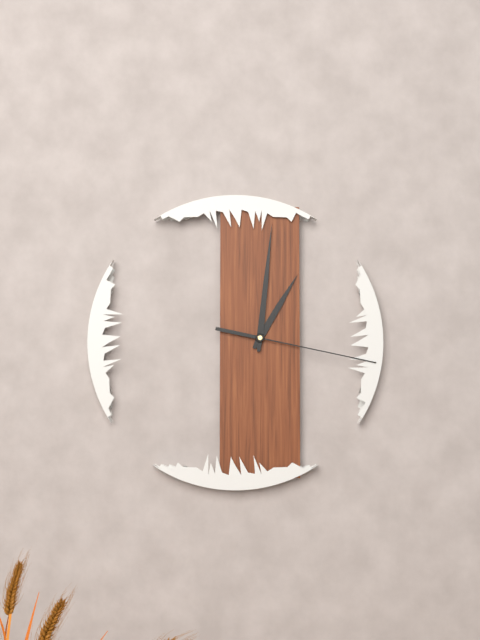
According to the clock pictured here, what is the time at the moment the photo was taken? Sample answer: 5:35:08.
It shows 1:01:17
